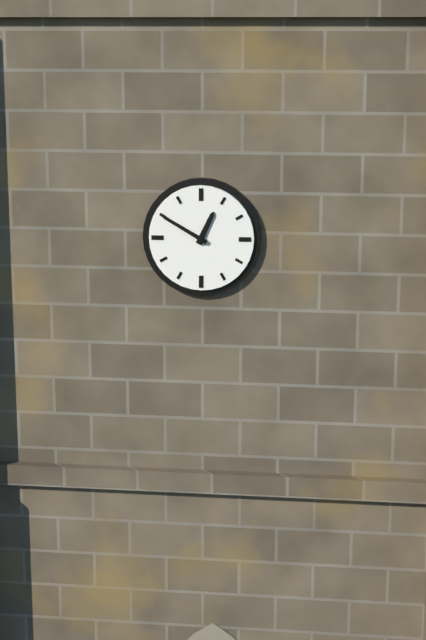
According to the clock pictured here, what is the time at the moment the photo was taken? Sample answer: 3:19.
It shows 12:50
